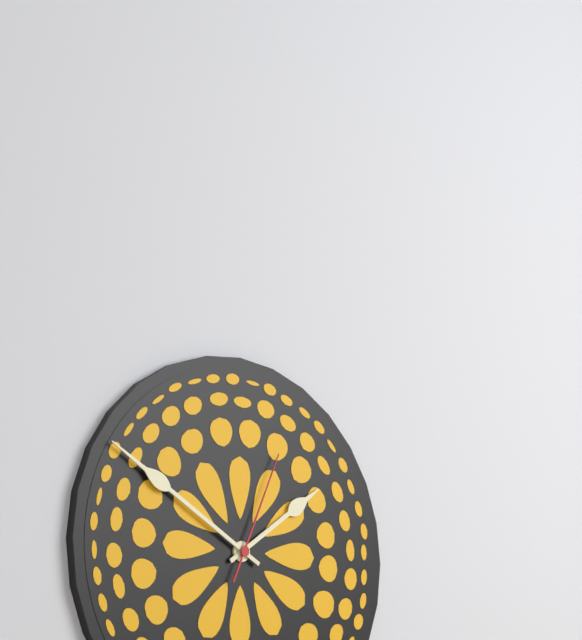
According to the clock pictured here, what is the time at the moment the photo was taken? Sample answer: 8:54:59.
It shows 1:50:04
